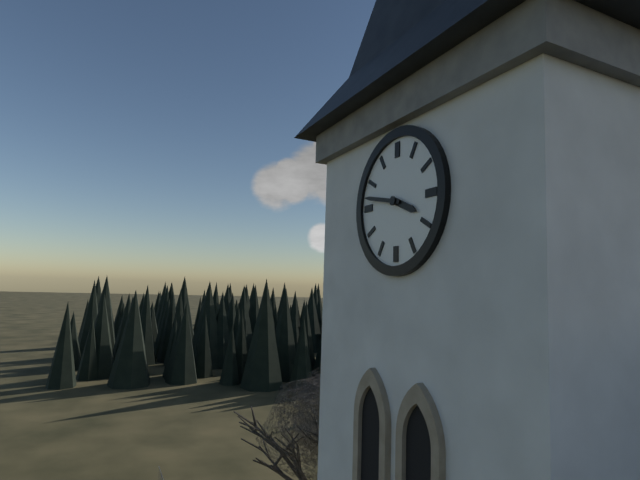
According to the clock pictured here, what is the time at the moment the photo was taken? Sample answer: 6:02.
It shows 3:47
